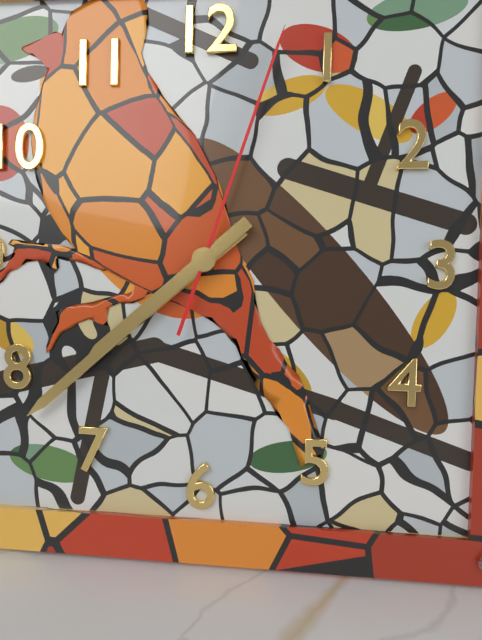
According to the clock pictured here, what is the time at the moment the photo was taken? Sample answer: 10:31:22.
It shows 7:38:03
